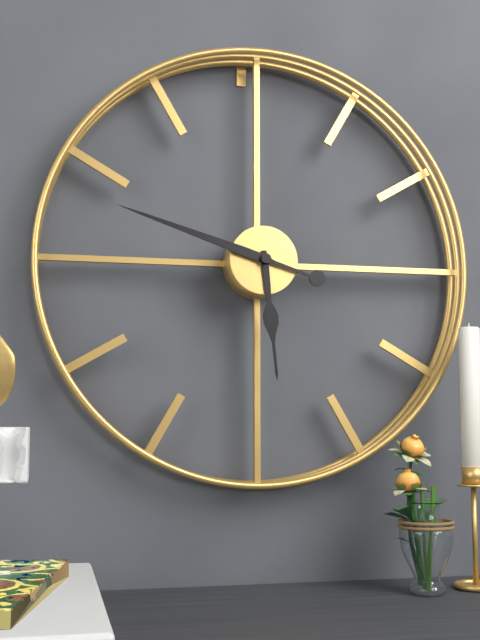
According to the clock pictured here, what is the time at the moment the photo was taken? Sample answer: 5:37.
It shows 5:48
